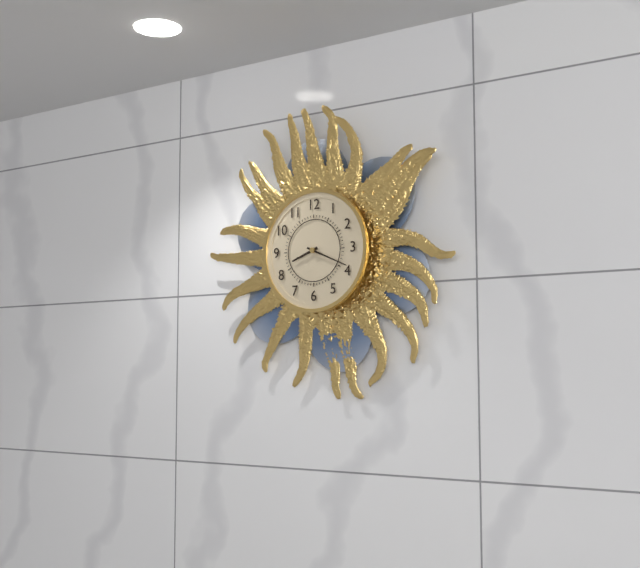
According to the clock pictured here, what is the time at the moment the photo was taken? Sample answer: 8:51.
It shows 8:19
